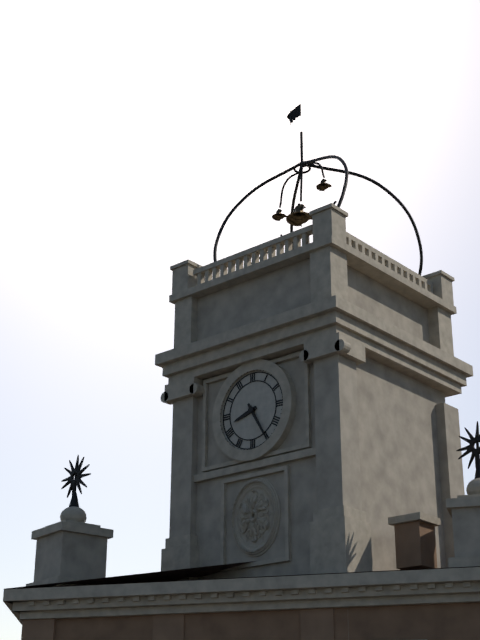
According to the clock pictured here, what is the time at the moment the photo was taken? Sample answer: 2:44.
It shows 8:25
